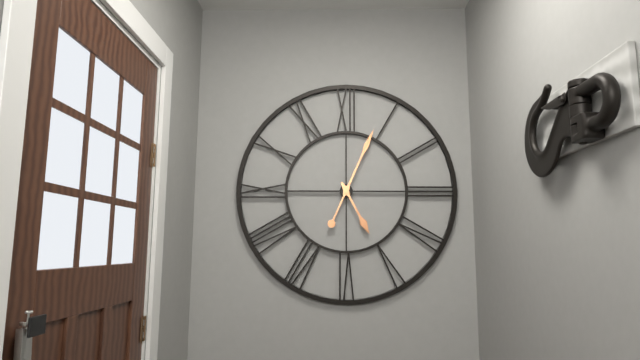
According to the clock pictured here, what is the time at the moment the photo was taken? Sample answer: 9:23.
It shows 5:04
